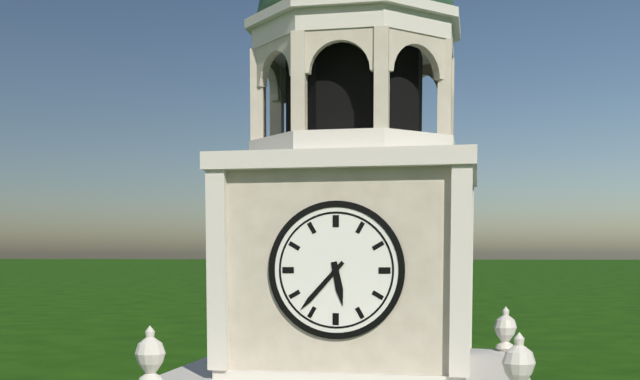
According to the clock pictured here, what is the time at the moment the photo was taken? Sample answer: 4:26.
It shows 5:37
